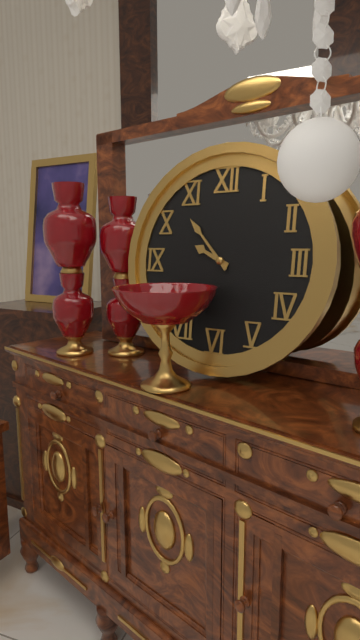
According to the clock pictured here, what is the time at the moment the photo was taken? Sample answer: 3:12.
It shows 9:53
